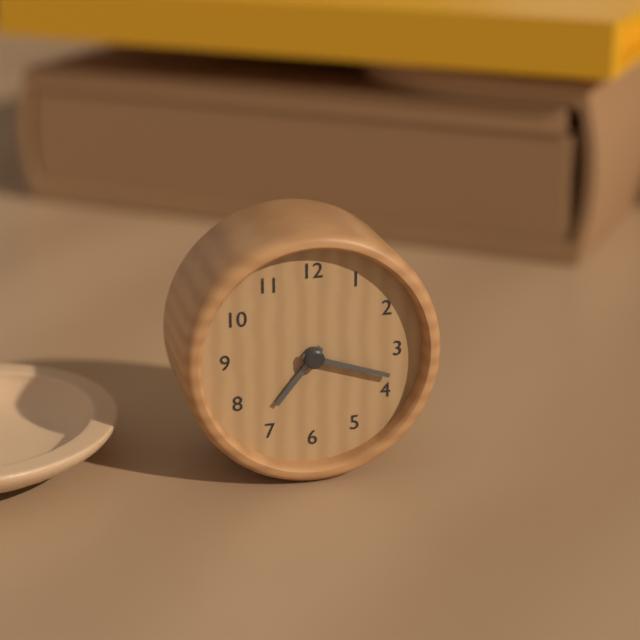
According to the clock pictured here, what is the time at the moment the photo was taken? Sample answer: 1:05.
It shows 7:18
